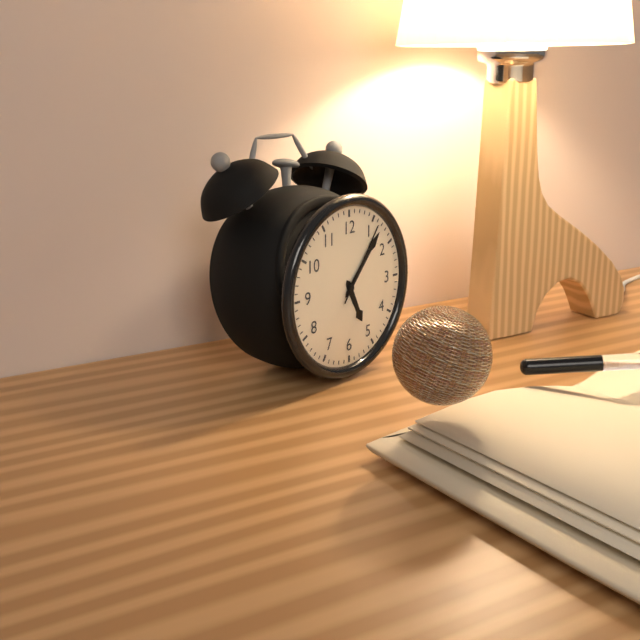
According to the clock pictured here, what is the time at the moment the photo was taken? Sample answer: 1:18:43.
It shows 5:07:06
